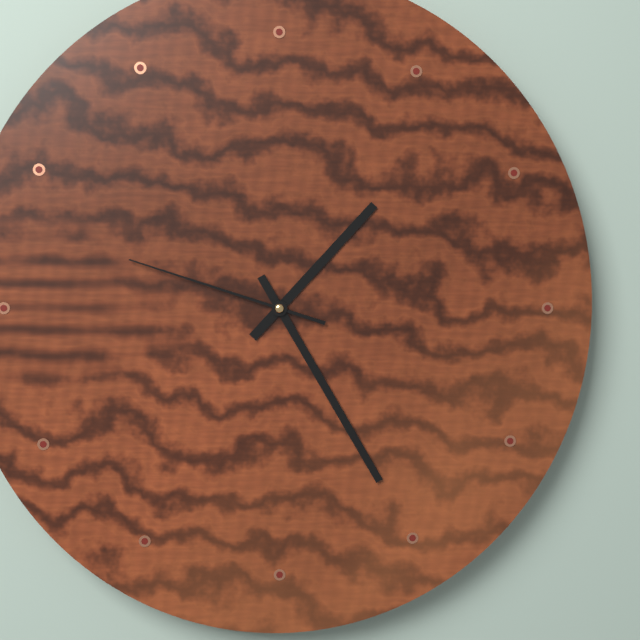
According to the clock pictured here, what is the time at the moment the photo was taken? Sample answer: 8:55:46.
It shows 1:25:48
